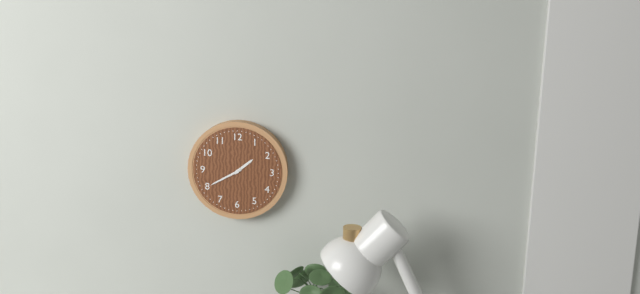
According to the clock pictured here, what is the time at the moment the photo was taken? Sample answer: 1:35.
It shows 1:40
